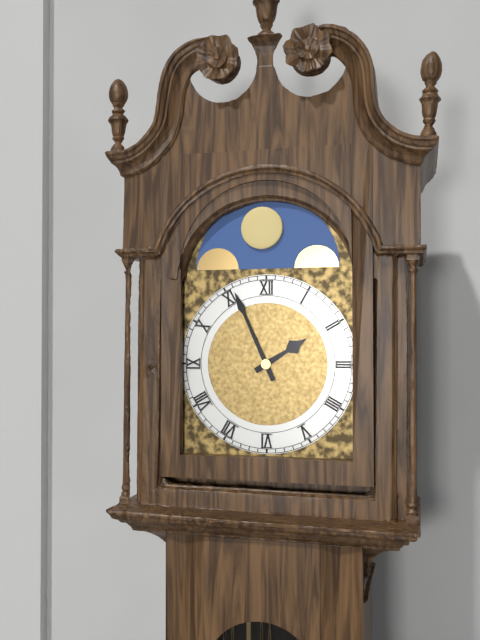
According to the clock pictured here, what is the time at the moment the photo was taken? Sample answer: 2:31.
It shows 1:56
